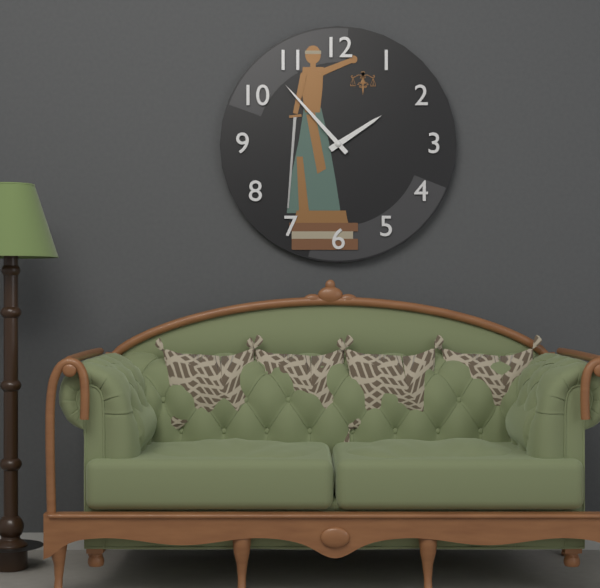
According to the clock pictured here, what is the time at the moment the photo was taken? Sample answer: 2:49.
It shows 1:53
